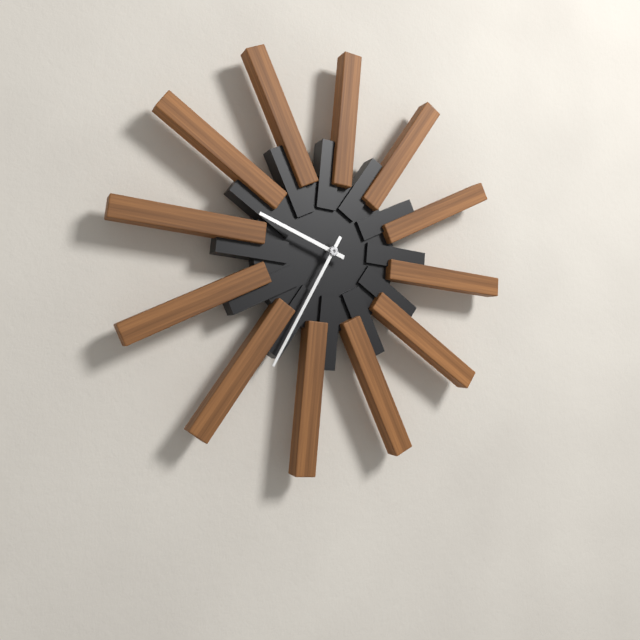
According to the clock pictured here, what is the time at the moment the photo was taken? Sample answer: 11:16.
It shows 9:34
